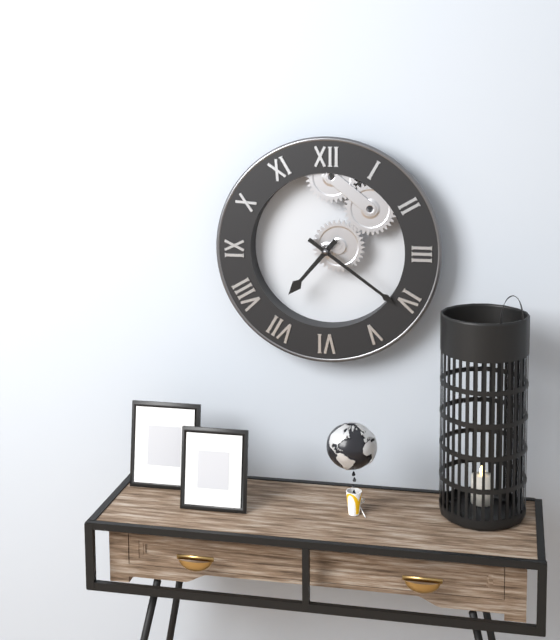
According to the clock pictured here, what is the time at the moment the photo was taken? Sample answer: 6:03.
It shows 7:21
